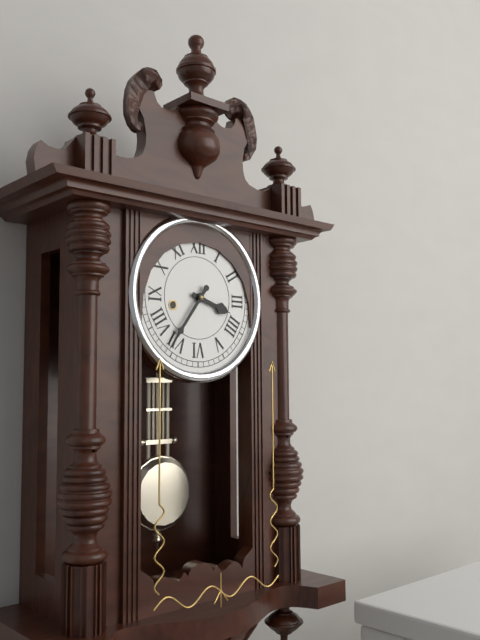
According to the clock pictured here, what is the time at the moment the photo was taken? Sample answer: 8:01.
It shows 3:36
